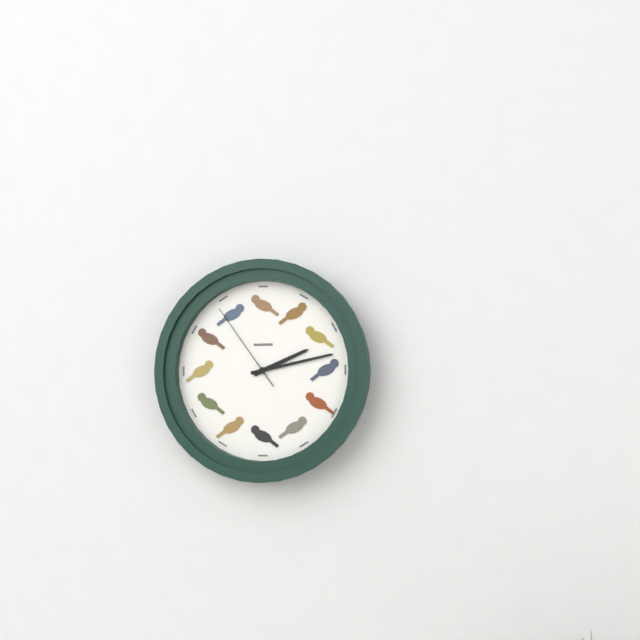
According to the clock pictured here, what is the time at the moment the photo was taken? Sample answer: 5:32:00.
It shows 2:13:54
